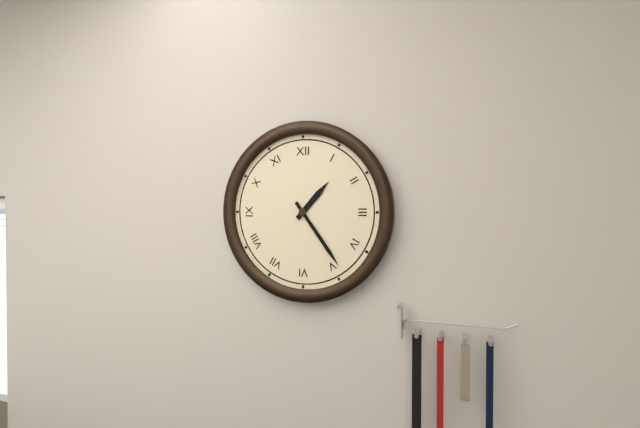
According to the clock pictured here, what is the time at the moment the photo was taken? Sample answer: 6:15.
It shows 1:24
